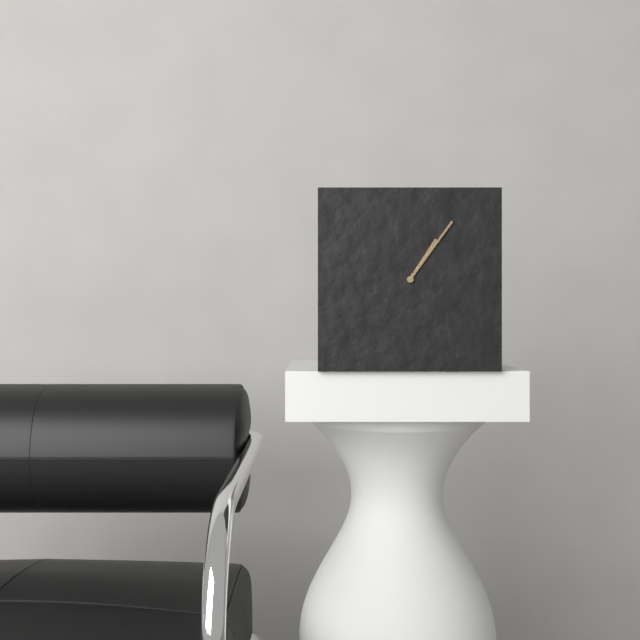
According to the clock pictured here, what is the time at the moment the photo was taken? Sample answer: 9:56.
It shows 1:06
